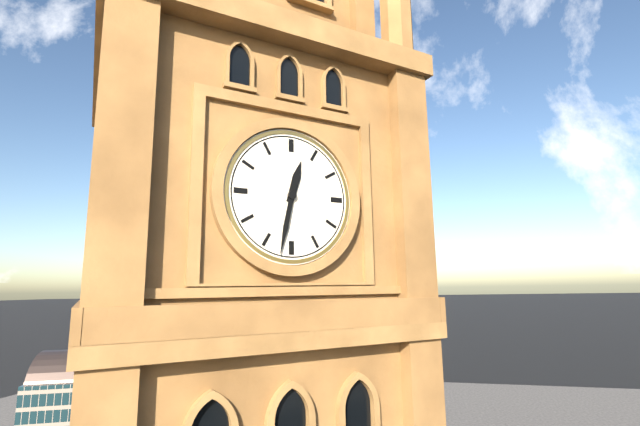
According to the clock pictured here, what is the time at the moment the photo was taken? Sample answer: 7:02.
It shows 12:32
